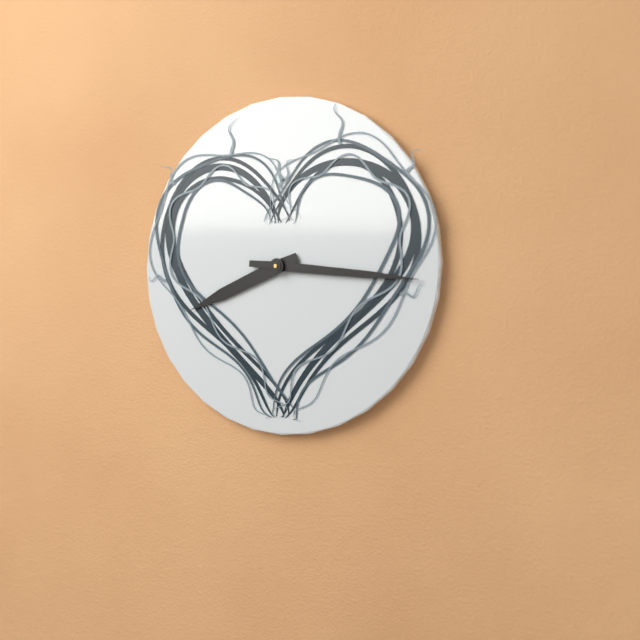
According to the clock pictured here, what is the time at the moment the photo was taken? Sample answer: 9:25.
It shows 8:16
